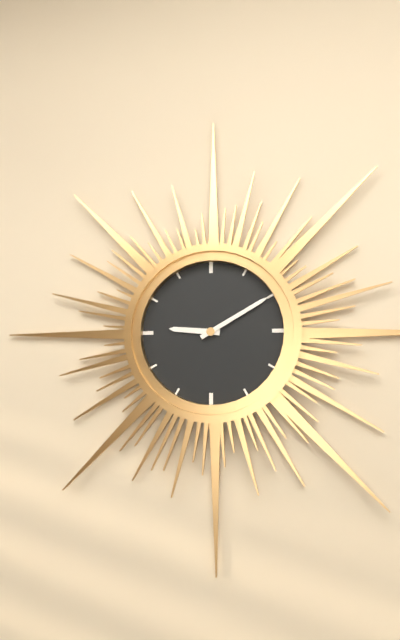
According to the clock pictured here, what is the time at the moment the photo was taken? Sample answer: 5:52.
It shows 9:10
